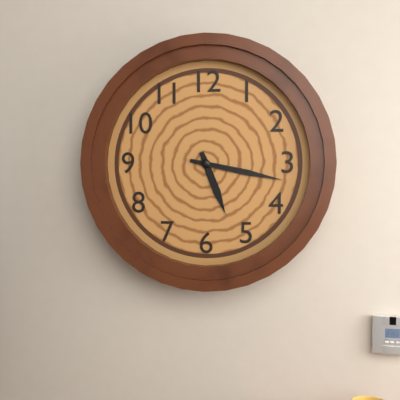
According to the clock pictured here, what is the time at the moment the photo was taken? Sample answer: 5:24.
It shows 5:17
